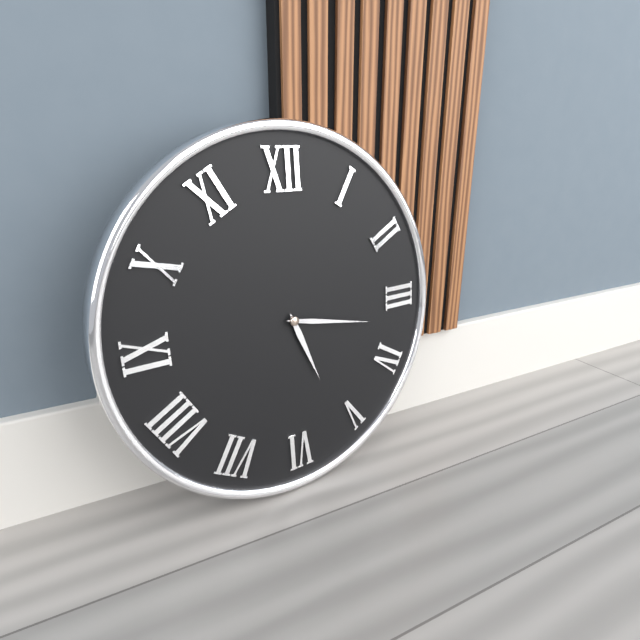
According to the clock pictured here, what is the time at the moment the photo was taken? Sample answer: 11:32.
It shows 5:17
